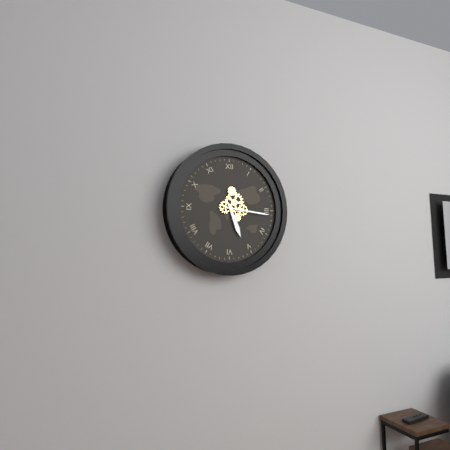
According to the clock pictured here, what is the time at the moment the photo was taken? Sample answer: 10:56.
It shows 5:16
